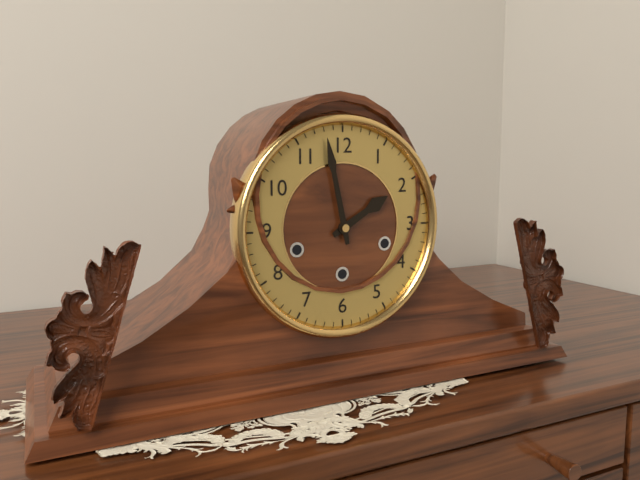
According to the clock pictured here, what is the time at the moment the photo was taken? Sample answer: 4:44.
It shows 1:58
